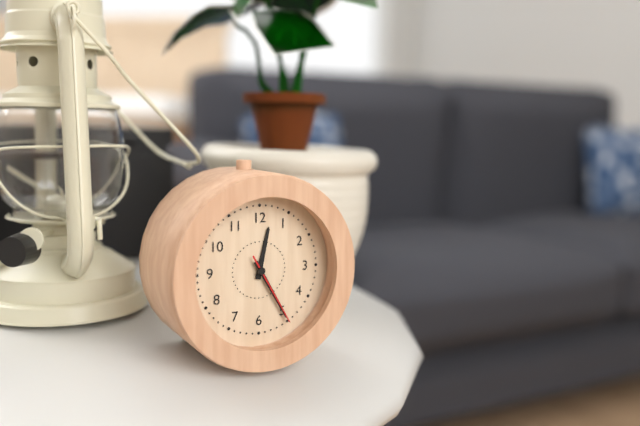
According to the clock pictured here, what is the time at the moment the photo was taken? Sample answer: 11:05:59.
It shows 12:25:25
